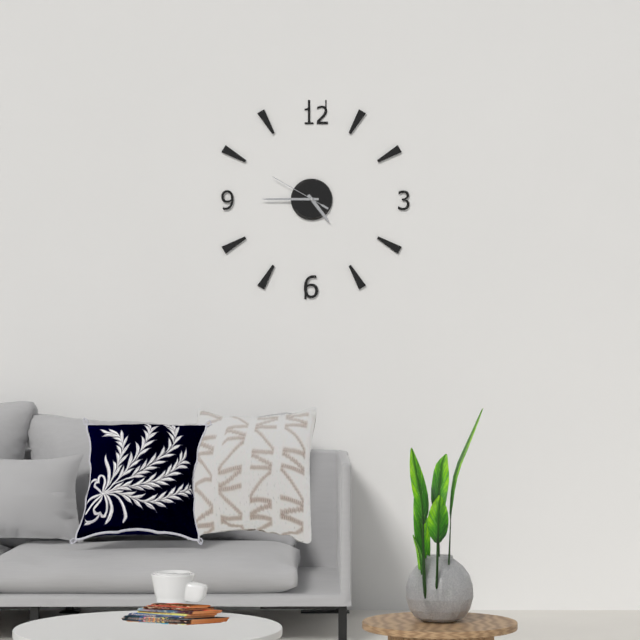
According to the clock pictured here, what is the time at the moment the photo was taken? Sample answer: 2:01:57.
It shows 4:45:50
